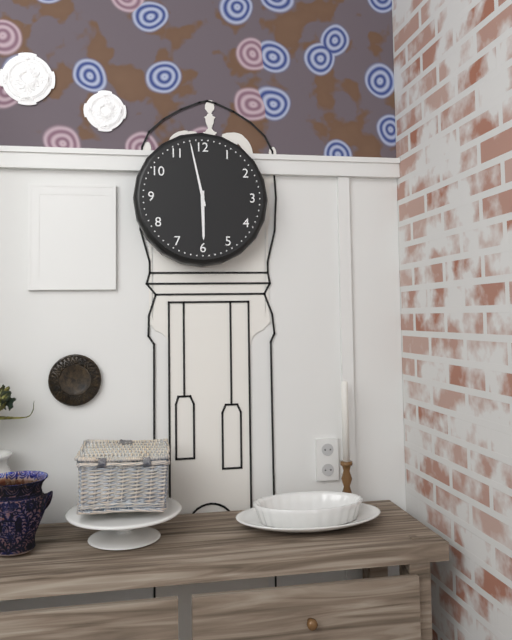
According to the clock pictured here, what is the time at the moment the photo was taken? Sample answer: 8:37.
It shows 5:58
